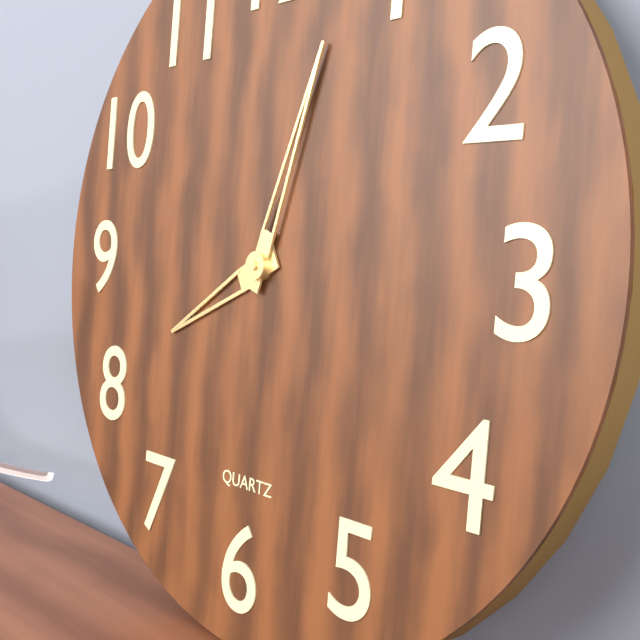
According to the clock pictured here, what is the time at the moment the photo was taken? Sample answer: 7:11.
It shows 8:03
